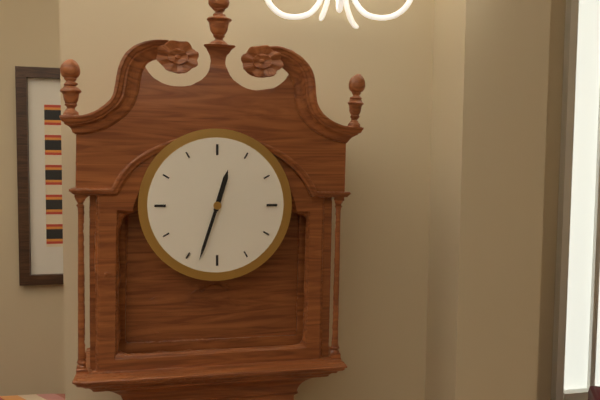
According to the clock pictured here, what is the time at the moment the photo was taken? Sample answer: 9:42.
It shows 12:33
